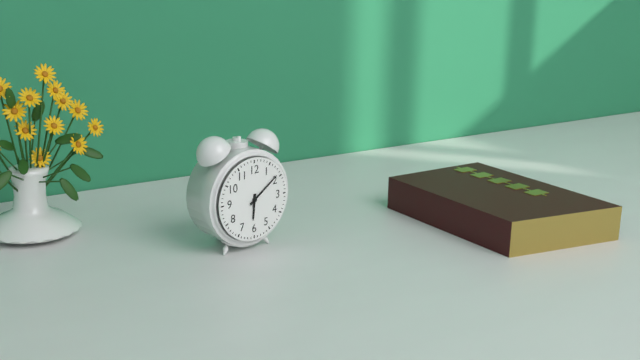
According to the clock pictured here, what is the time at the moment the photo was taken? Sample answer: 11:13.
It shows 6:09
